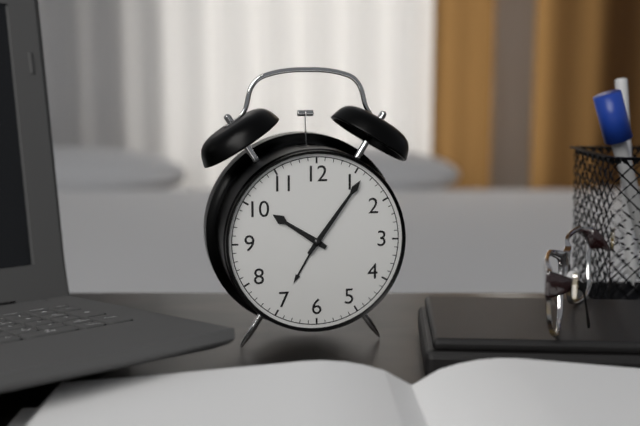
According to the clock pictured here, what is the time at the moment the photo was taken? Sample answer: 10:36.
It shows 10:06
